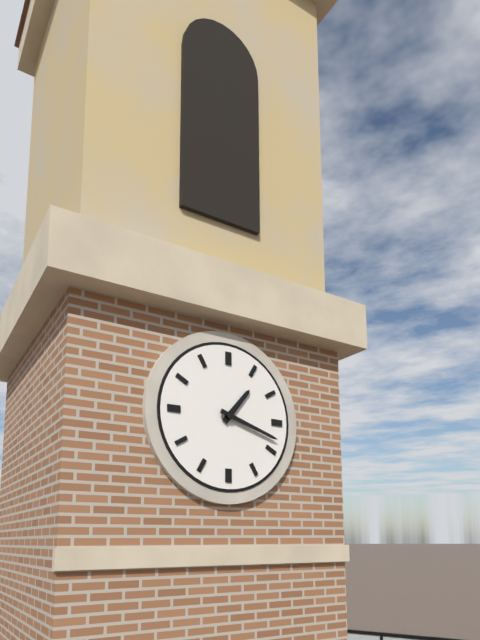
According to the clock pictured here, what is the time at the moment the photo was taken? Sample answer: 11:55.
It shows 1:18
